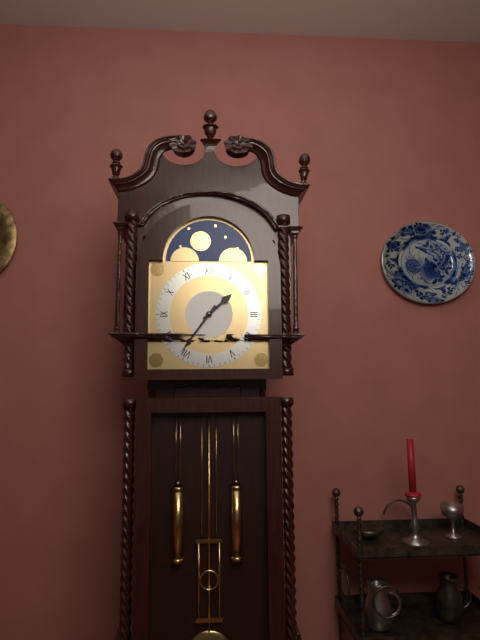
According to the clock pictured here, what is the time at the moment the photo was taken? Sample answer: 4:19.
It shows 1:36
